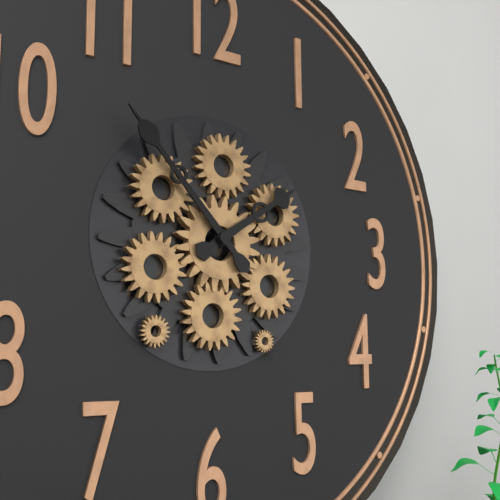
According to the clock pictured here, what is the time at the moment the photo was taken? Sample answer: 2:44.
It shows 1:53
